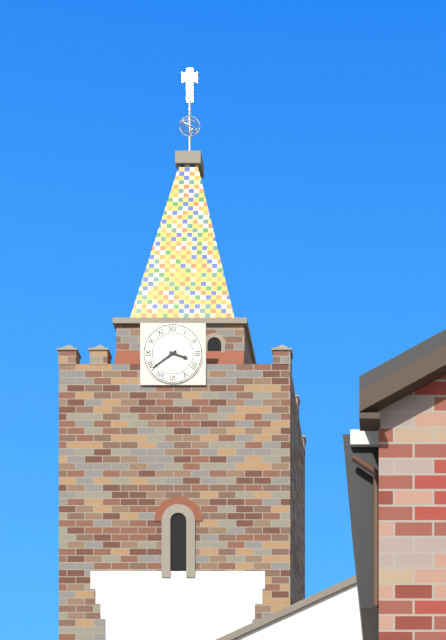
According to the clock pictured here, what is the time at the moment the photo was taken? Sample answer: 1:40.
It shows 3:39
